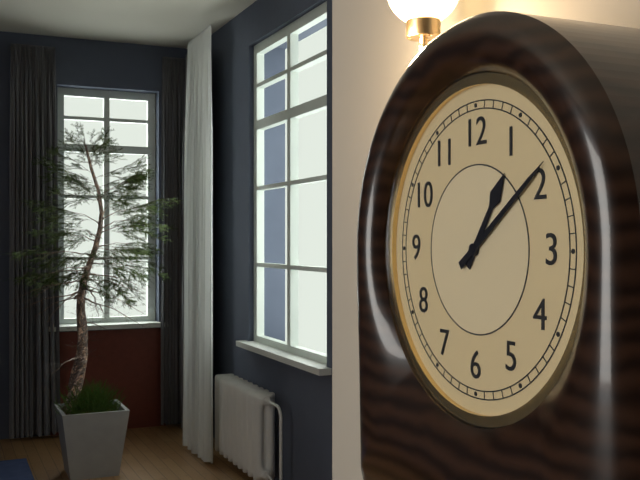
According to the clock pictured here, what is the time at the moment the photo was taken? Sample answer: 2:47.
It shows 1:09
